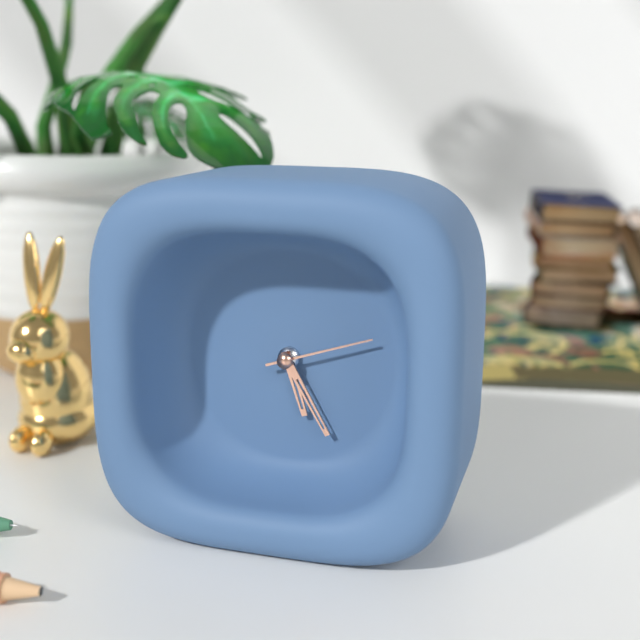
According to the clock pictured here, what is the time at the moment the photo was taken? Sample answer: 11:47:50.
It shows 5:25:12
